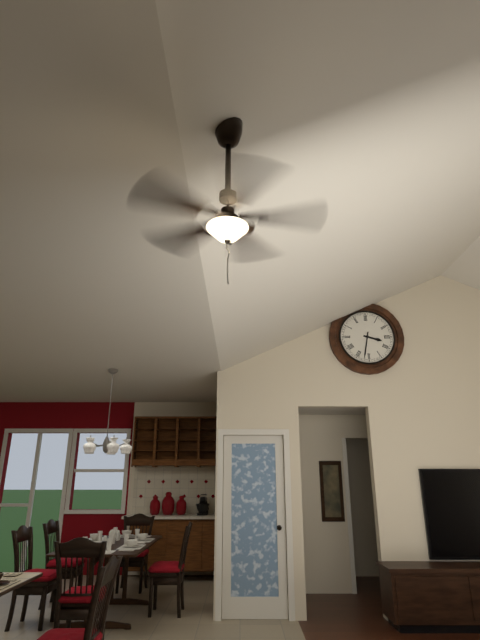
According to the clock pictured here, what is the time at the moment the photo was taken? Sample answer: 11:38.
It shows 3:32
